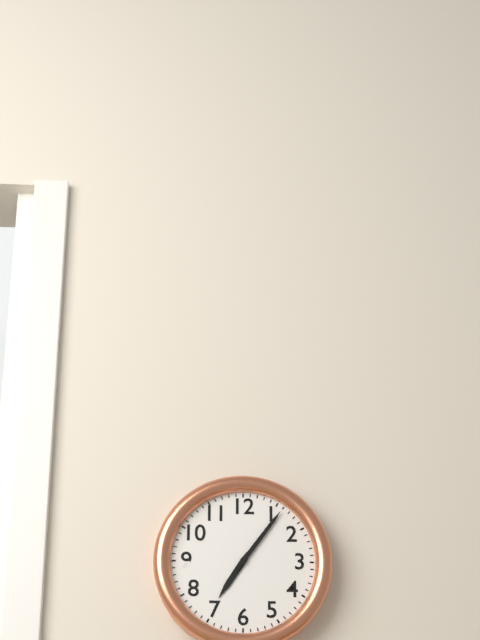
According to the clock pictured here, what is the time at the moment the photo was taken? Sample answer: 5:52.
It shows 7:06
